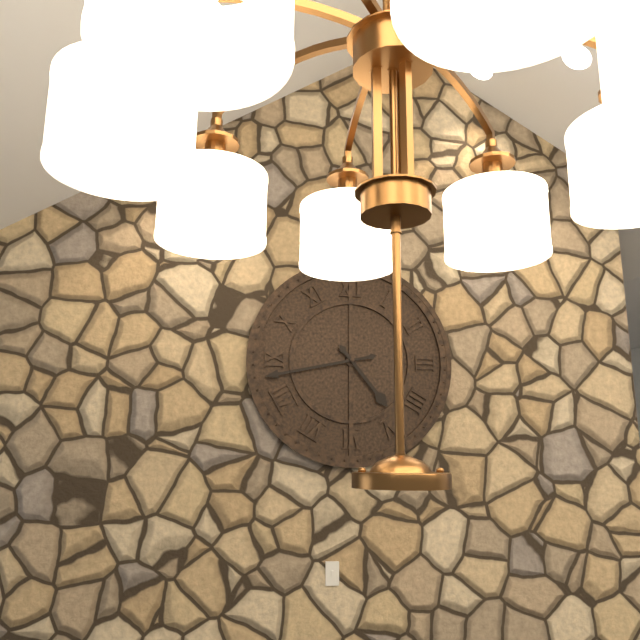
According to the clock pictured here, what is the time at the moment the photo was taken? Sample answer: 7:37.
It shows 4:43
